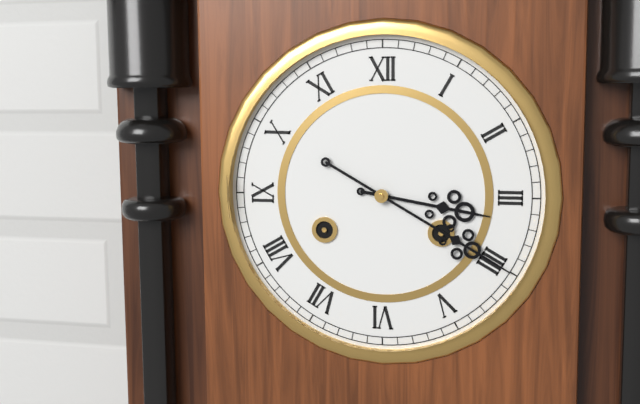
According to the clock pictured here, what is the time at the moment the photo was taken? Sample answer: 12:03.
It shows 3:20
